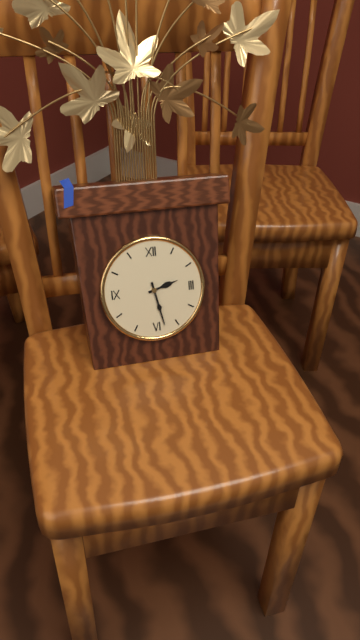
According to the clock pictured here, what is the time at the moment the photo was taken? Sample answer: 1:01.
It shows 2:28
